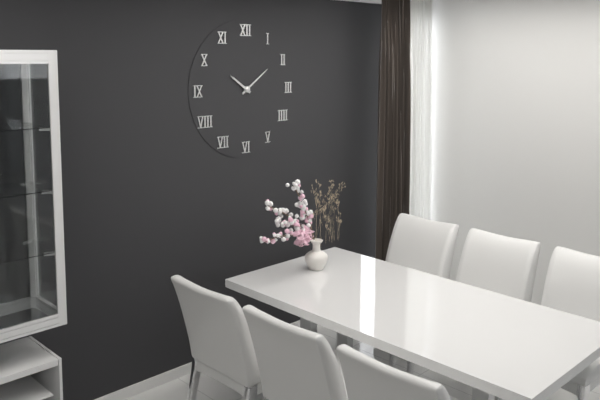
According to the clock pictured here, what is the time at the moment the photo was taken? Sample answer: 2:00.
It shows 10:09
